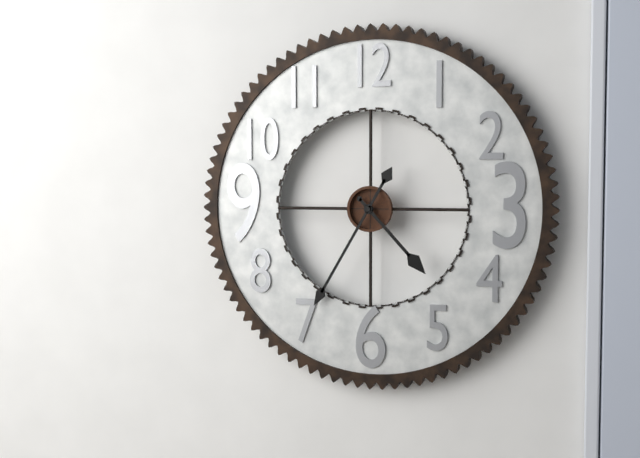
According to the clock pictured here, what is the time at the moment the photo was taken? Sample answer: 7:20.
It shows 4:35
